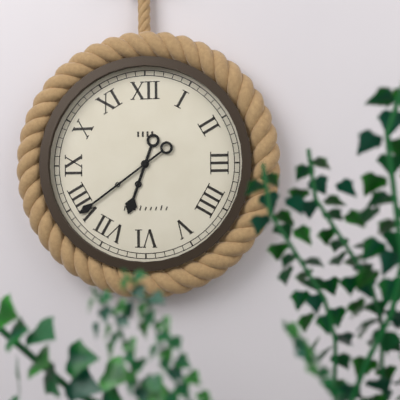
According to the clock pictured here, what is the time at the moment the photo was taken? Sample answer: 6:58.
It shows 6:39
